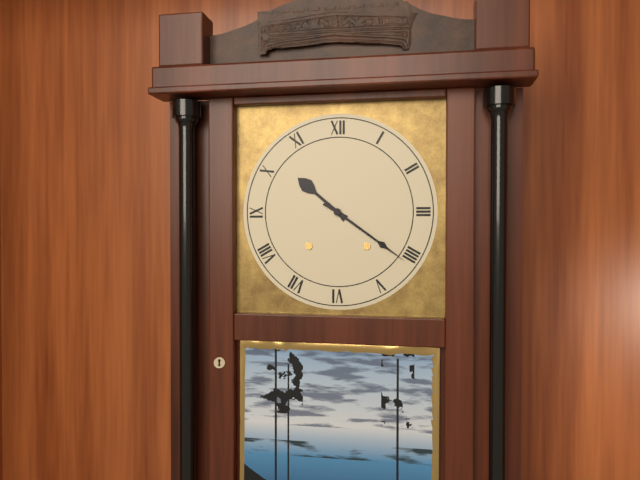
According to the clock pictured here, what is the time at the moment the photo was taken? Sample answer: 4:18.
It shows 10:21
